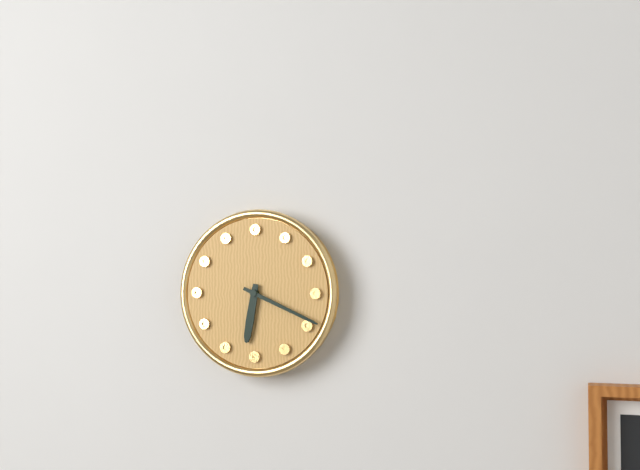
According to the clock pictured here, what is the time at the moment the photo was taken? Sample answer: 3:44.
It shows 6:19
